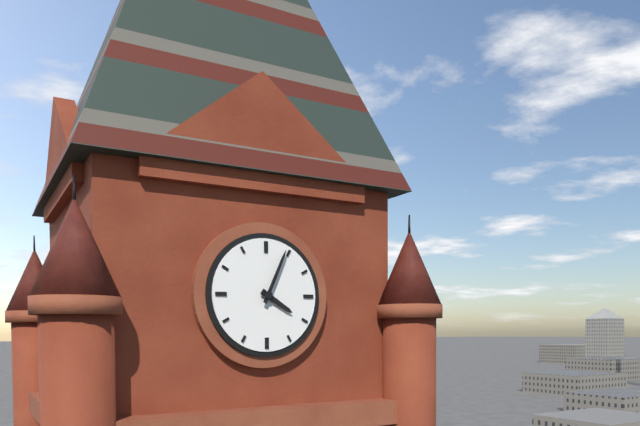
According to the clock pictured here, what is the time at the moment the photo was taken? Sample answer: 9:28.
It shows 4:04
